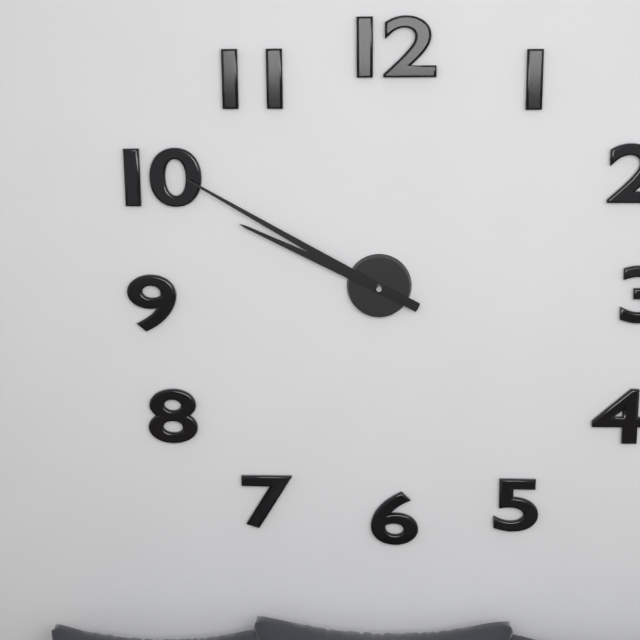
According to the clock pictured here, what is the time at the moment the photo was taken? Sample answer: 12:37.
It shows 9:50
